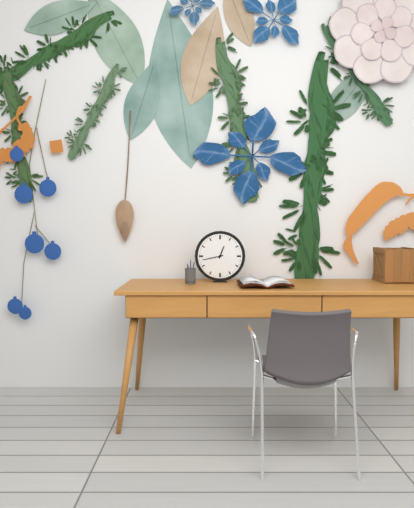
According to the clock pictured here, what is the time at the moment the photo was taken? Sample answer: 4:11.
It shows 12:43
